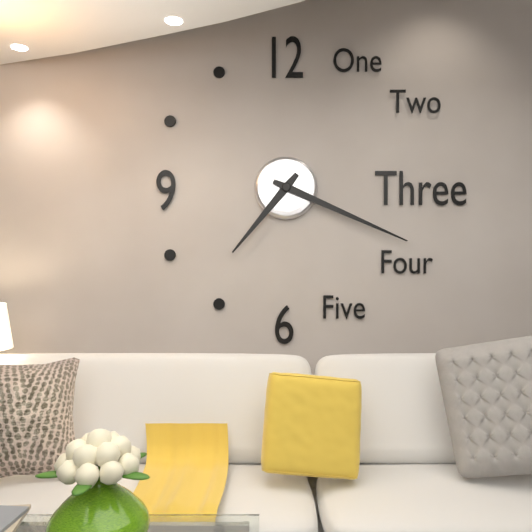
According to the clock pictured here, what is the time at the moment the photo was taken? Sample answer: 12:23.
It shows 7:19
